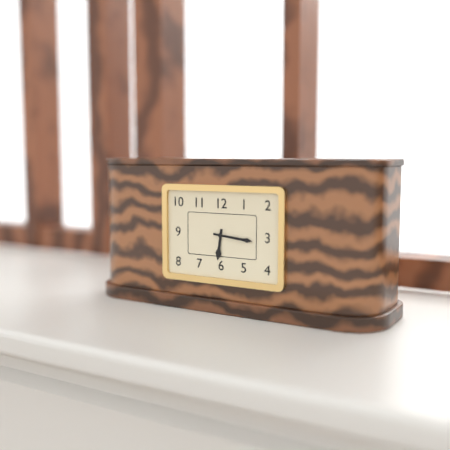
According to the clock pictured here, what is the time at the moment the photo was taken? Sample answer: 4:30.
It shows 6:16
